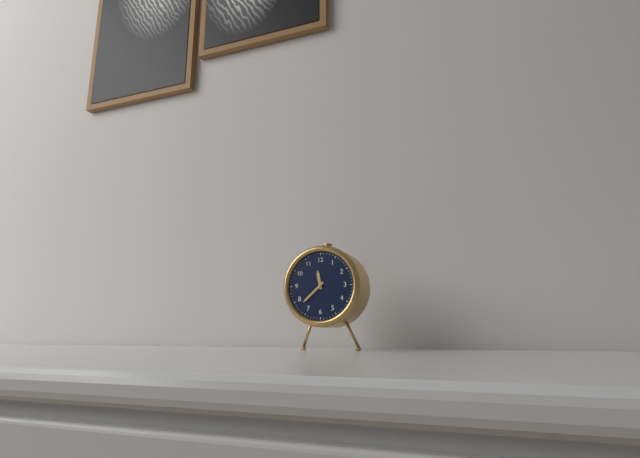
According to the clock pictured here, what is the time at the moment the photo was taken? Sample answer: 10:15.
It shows 11:38
